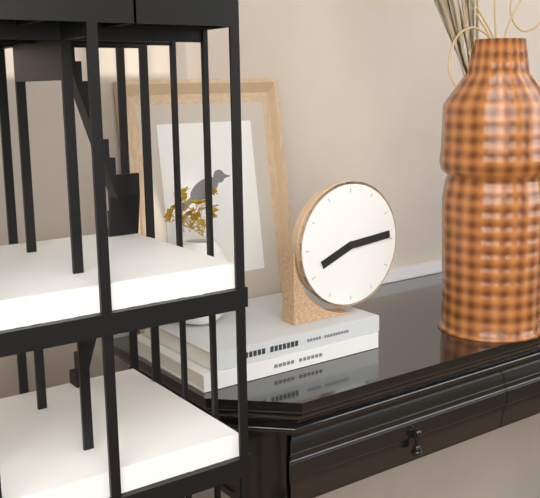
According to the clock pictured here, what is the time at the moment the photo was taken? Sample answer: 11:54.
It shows 8:14
